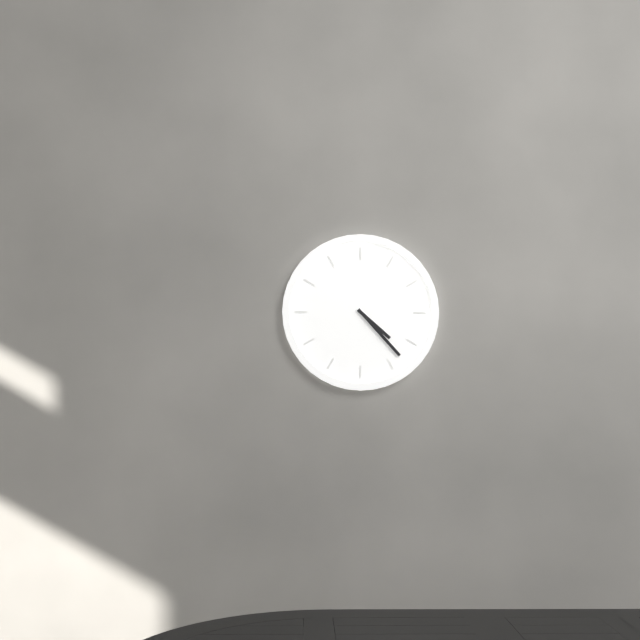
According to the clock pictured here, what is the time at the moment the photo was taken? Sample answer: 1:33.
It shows 4:23
